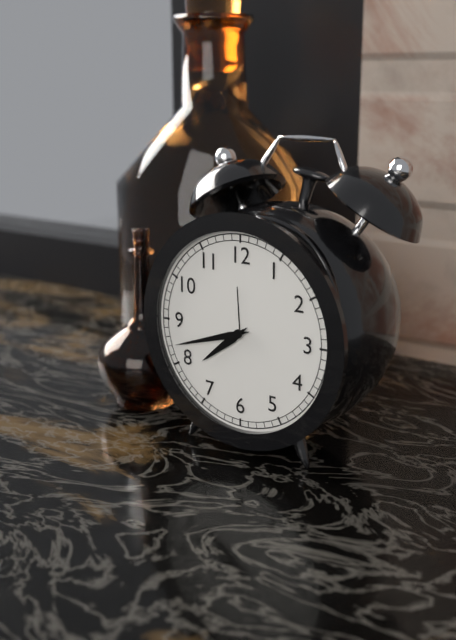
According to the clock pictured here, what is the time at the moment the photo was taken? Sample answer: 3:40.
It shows 7:42
